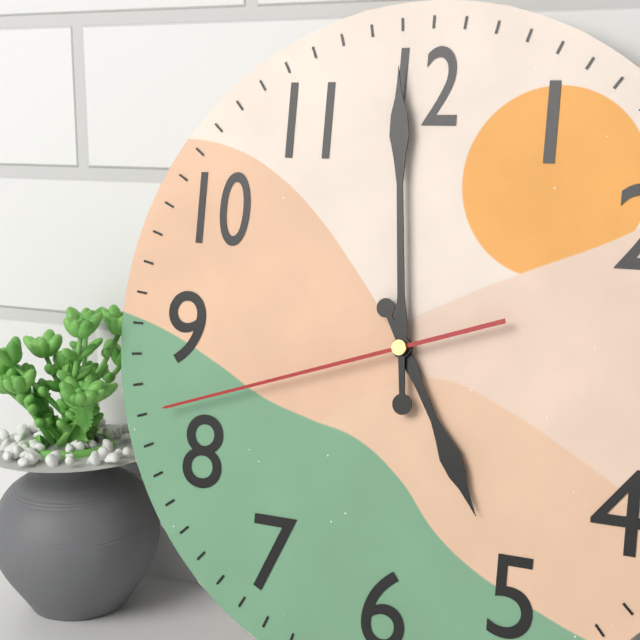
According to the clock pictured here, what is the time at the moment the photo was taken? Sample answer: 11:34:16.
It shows 4:59:42
